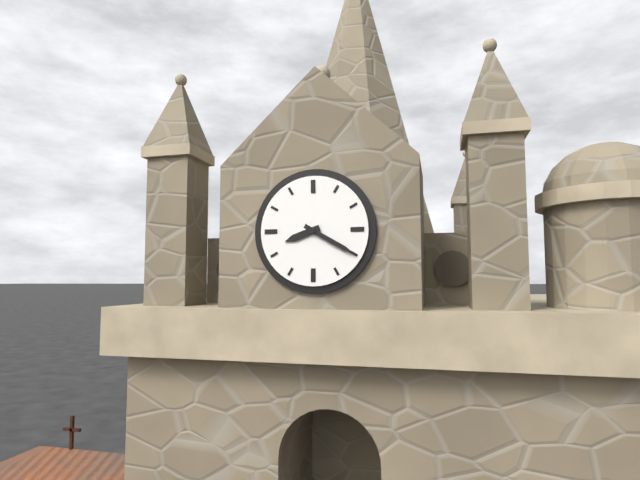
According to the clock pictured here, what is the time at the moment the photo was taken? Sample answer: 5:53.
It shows 8:20
